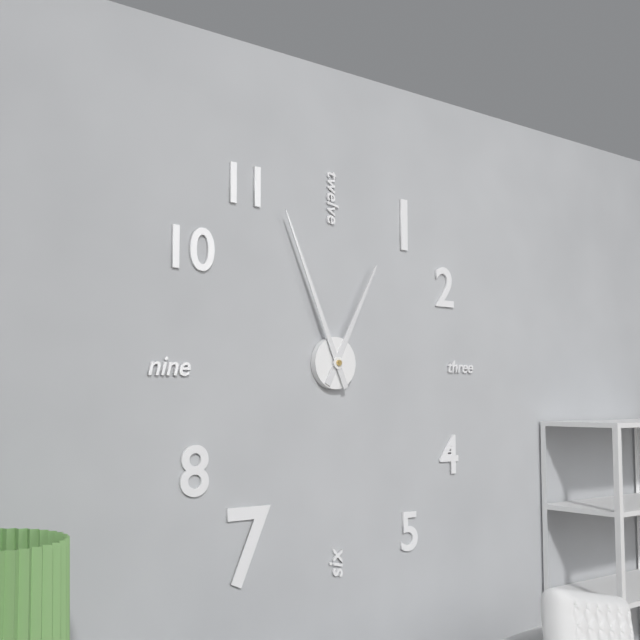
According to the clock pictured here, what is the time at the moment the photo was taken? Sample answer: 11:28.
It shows 12:56
